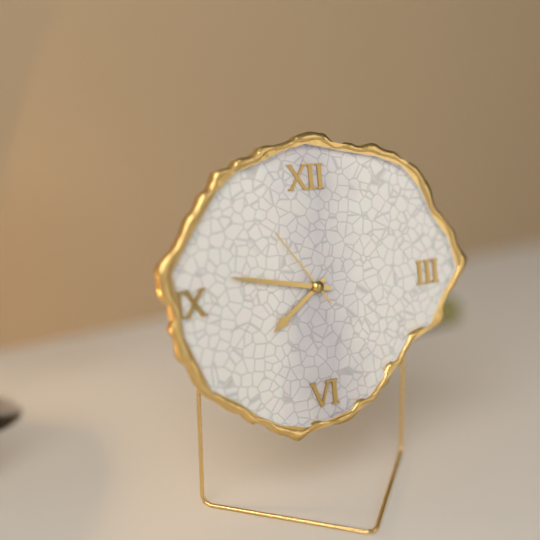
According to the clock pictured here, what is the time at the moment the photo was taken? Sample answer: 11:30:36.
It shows 7:47:54
